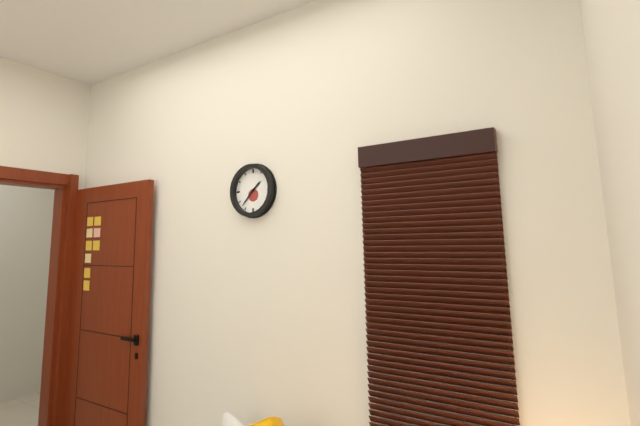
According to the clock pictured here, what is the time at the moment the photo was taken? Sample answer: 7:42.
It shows 1:37
